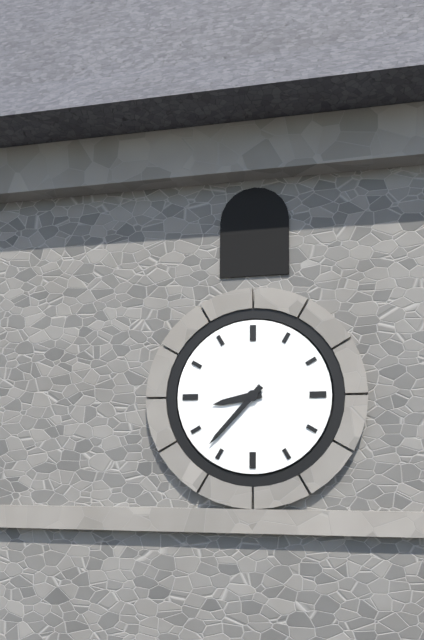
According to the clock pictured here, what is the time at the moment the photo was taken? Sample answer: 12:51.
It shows 8:37
